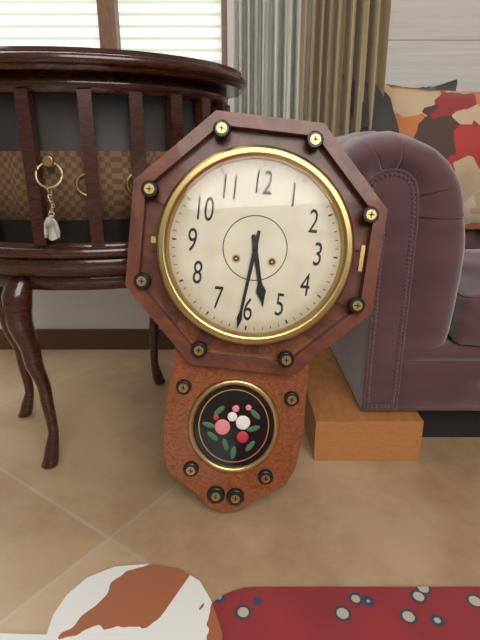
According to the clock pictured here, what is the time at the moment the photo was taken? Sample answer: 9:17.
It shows 5:31
